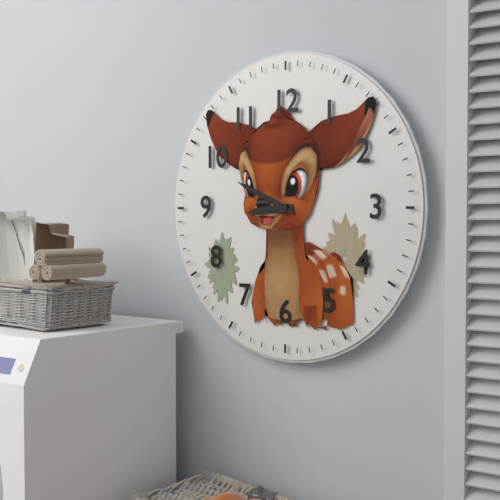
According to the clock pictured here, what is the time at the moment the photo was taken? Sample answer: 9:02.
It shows 8:49
